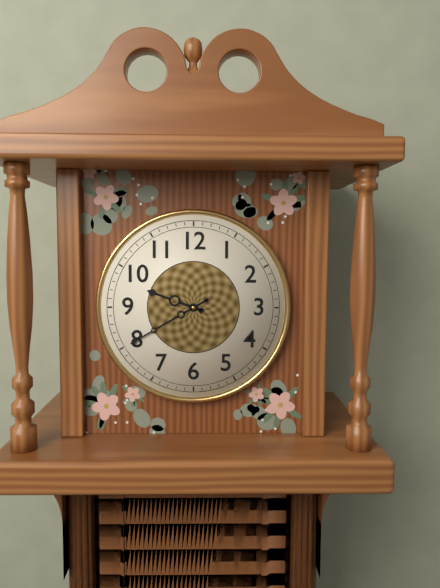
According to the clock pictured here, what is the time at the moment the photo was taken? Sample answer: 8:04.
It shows 9:40
